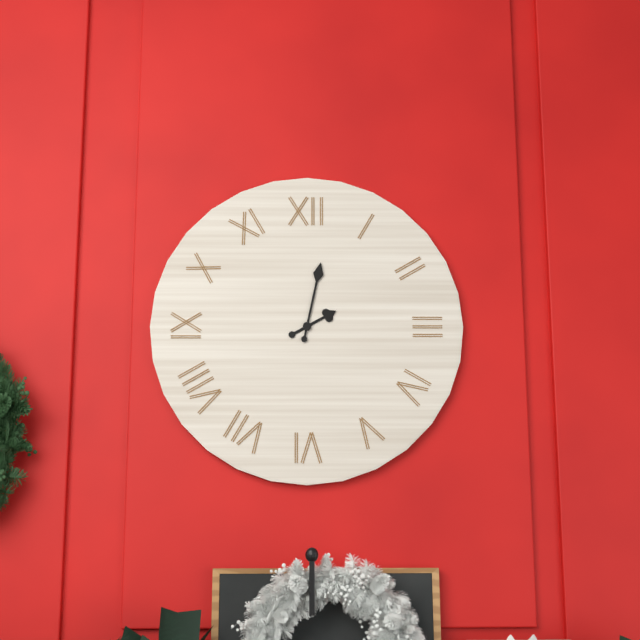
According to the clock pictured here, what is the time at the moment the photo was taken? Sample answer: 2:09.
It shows 2:02
